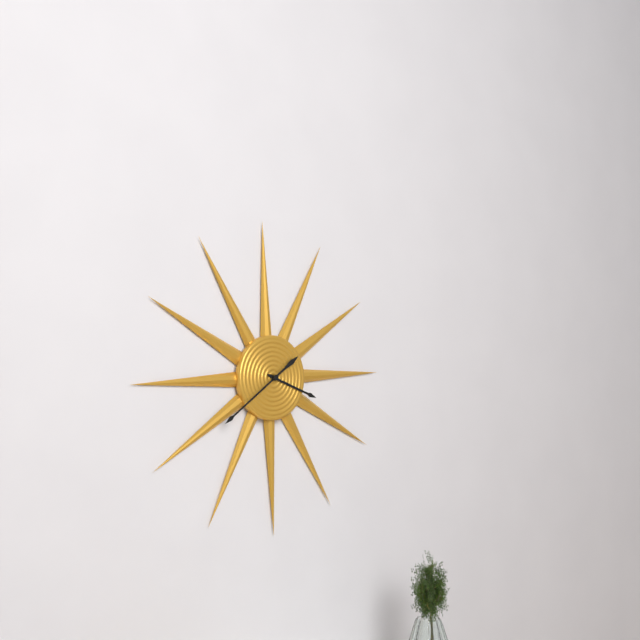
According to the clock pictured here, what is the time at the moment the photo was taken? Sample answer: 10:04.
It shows 3:39
